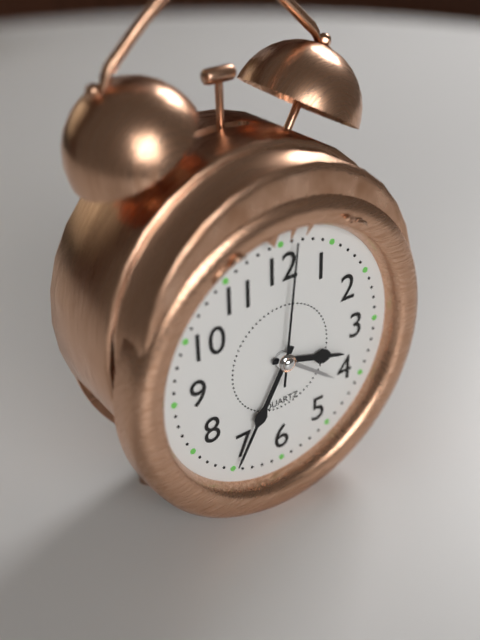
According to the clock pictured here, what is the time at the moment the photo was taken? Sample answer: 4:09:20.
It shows 3:35:01
